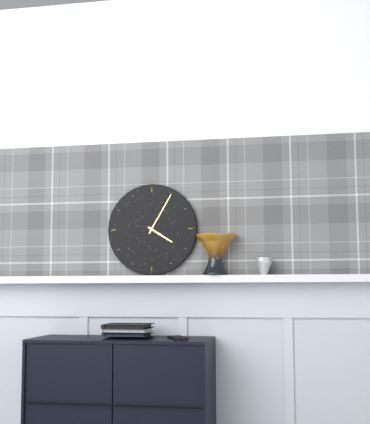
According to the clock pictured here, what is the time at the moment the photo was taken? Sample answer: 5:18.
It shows 4:05
